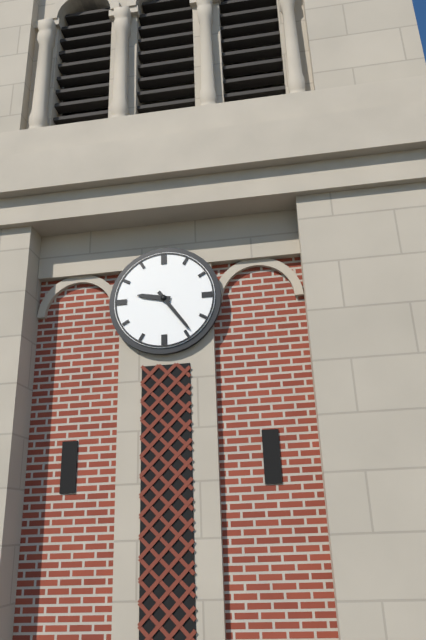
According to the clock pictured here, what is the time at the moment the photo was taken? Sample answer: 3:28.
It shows 9:24
